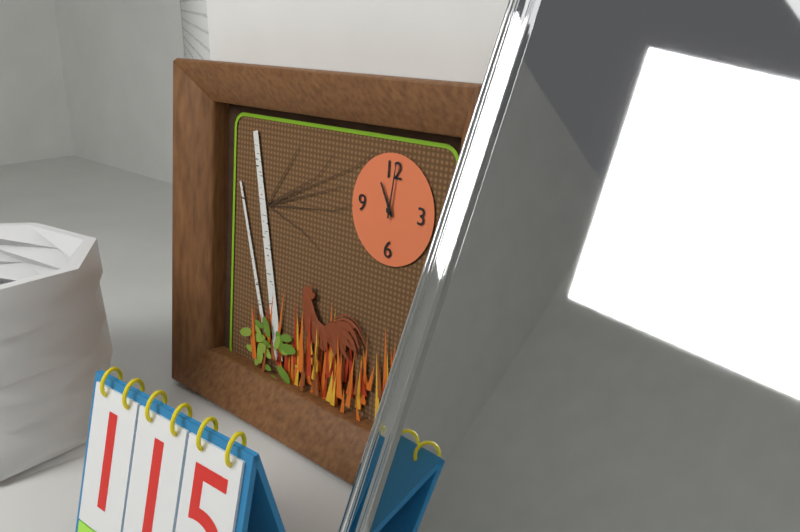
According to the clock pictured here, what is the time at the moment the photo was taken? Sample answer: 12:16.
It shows 11:01
